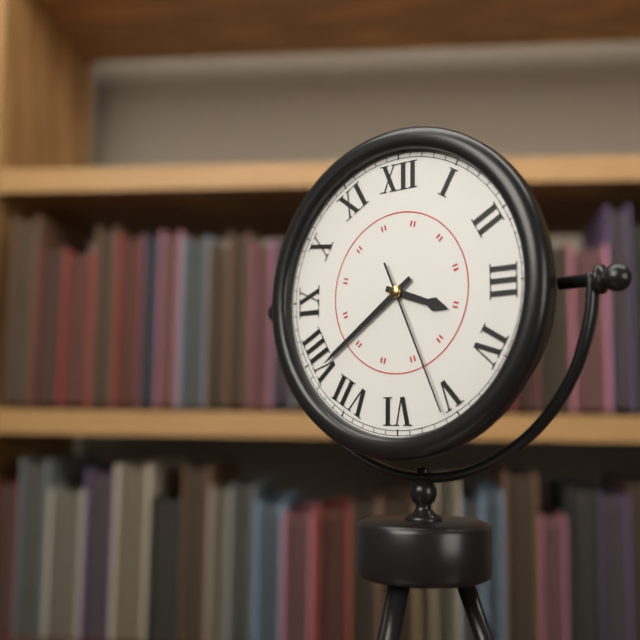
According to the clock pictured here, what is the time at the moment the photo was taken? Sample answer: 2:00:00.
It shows 3:39:26
